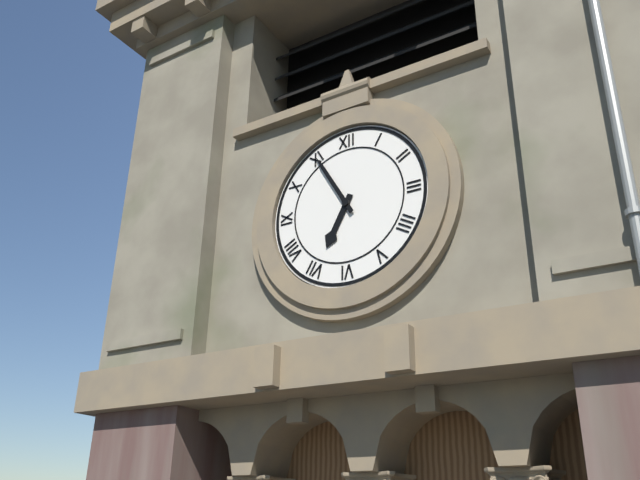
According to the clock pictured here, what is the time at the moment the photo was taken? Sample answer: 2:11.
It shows 6:55
